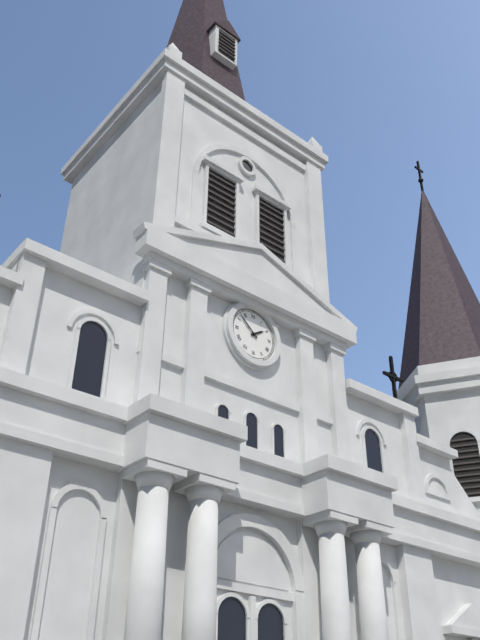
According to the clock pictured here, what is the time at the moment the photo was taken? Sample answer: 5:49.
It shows 1:52
